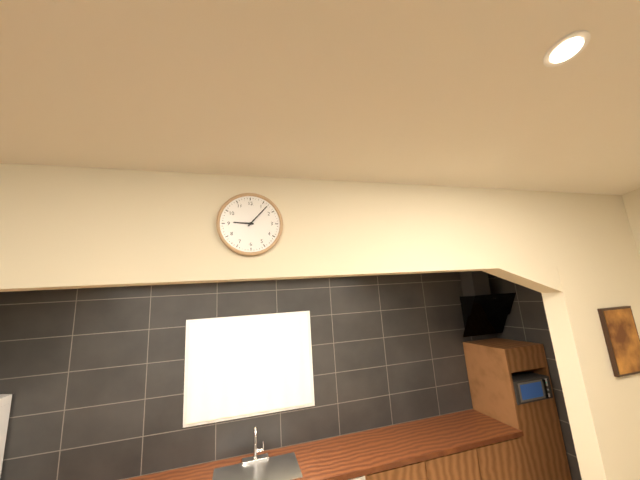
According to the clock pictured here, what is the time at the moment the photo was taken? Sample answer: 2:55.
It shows 9:07
